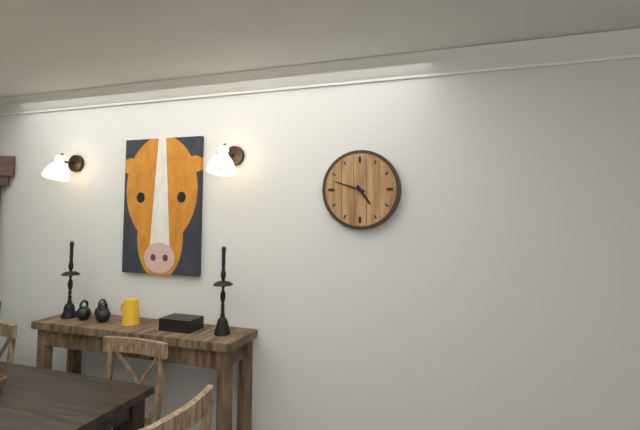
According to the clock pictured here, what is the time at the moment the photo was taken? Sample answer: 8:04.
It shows 4:48
